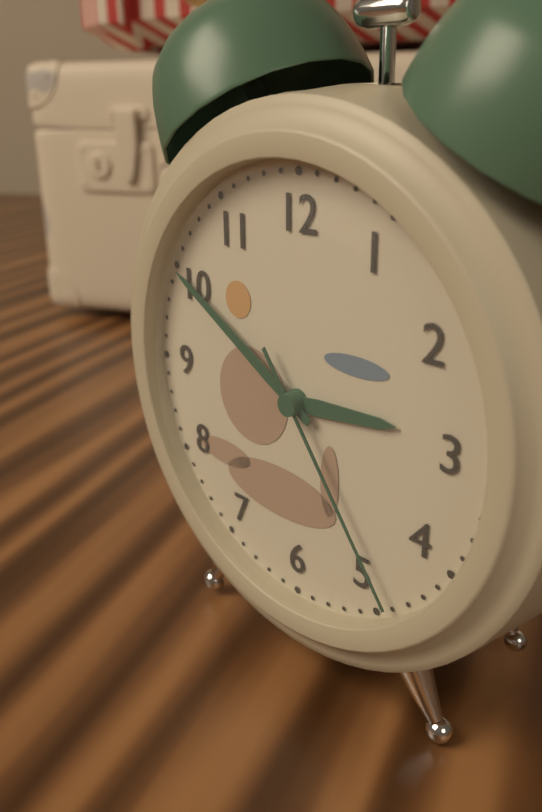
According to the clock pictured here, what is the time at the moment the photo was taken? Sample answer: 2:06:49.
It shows 2:50:24
